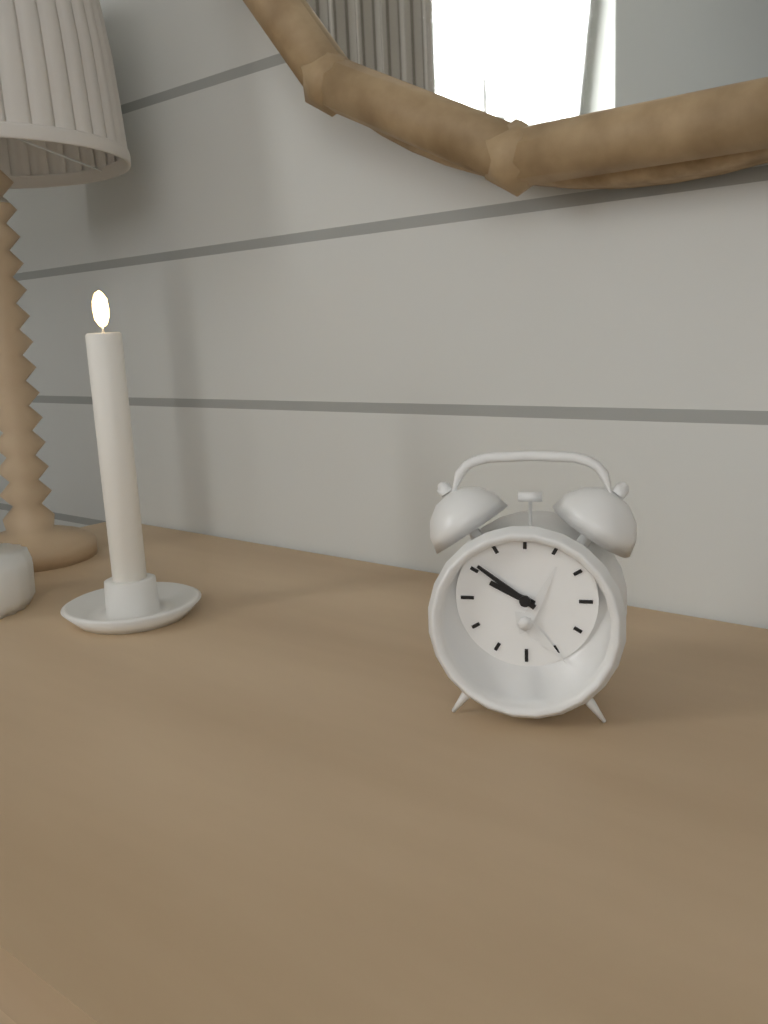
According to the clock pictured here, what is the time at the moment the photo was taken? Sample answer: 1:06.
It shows 9:51
